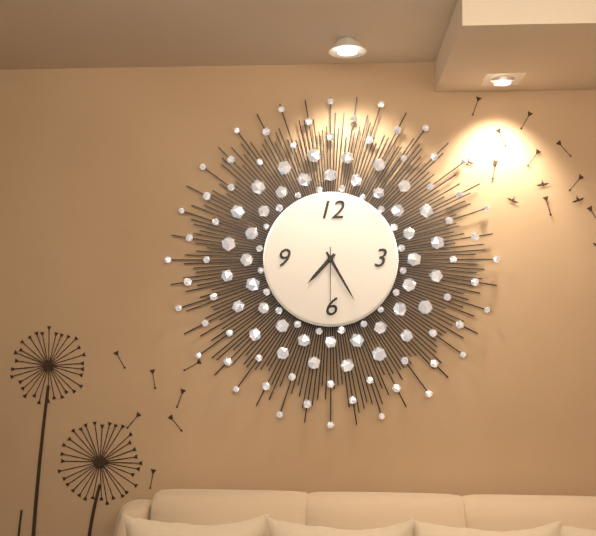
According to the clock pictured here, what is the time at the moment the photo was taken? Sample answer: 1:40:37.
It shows 7:25:30
